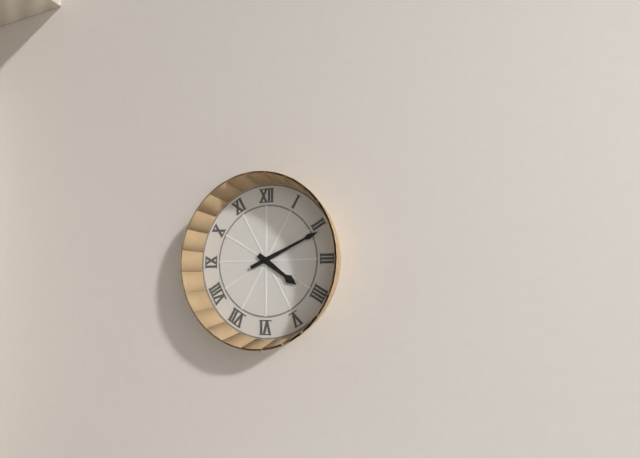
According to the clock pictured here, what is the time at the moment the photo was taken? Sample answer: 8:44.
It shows 4:11
